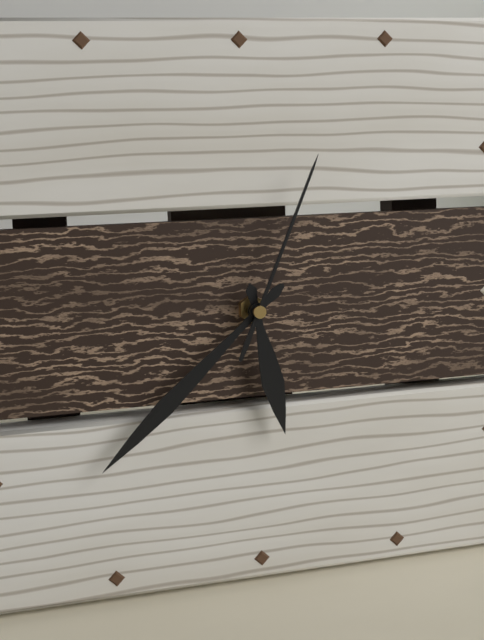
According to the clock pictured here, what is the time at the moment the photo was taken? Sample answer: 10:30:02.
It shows 5:38:04
